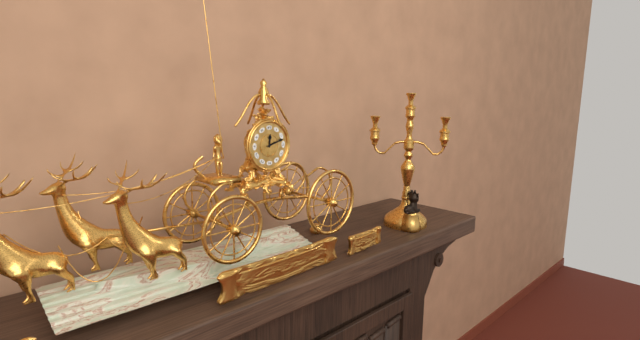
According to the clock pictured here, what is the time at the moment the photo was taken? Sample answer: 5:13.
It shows 12:12
